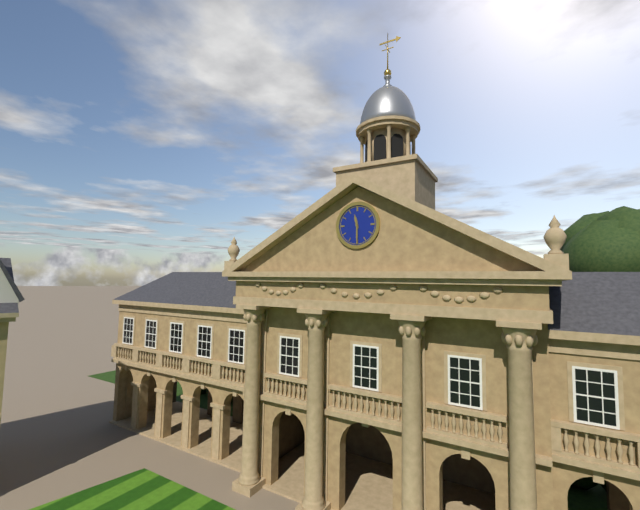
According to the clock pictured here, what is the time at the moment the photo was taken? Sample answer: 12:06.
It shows 11:30
